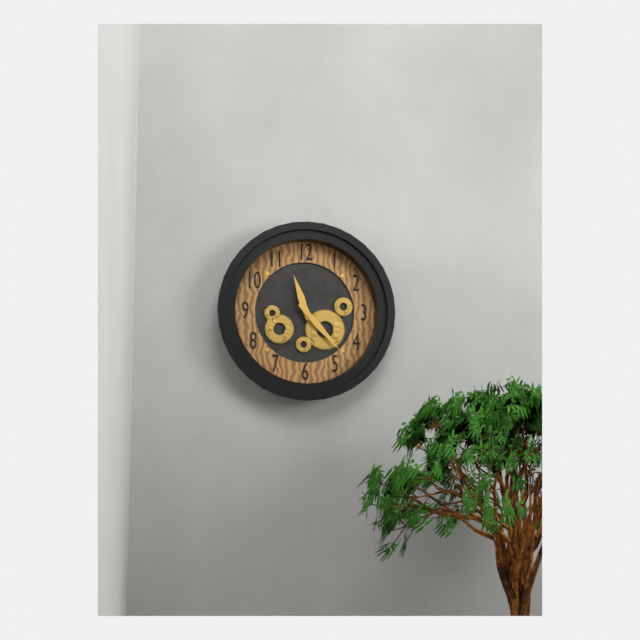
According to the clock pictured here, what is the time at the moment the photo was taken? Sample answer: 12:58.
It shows 11:23
